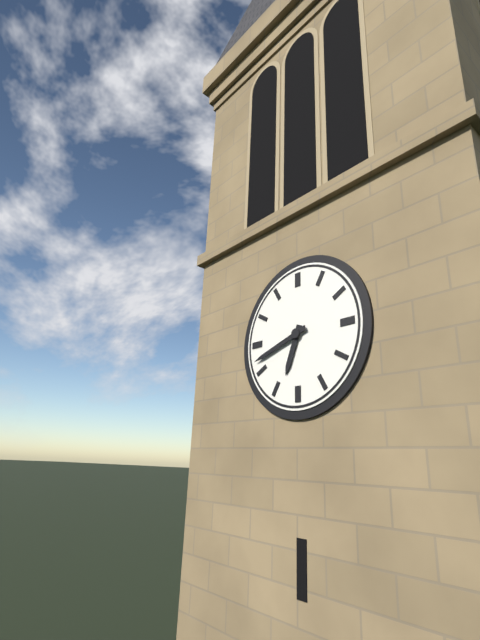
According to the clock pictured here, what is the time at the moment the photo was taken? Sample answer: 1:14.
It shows 6:42
